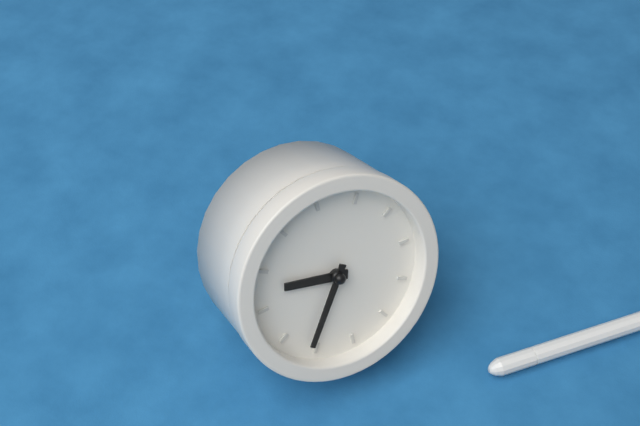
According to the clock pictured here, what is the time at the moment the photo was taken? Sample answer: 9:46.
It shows 8:31
